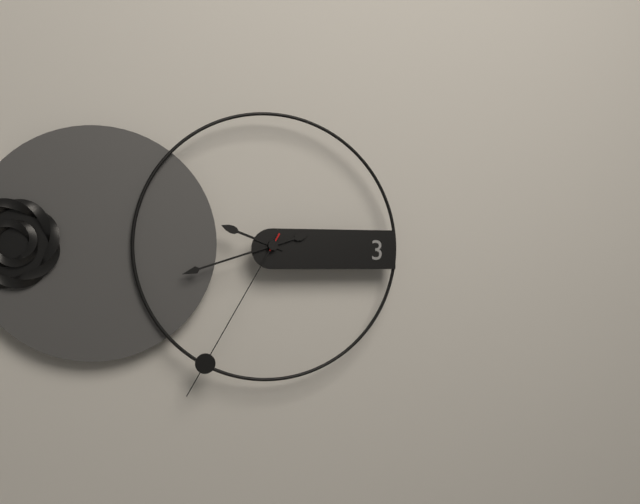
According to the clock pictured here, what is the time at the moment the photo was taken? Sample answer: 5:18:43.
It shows 9:42:35
